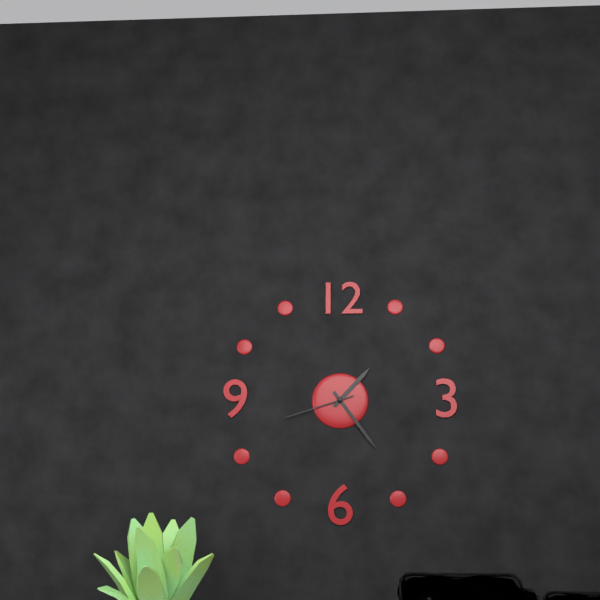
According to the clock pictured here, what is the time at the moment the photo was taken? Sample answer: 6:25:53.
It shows 1:24:42
